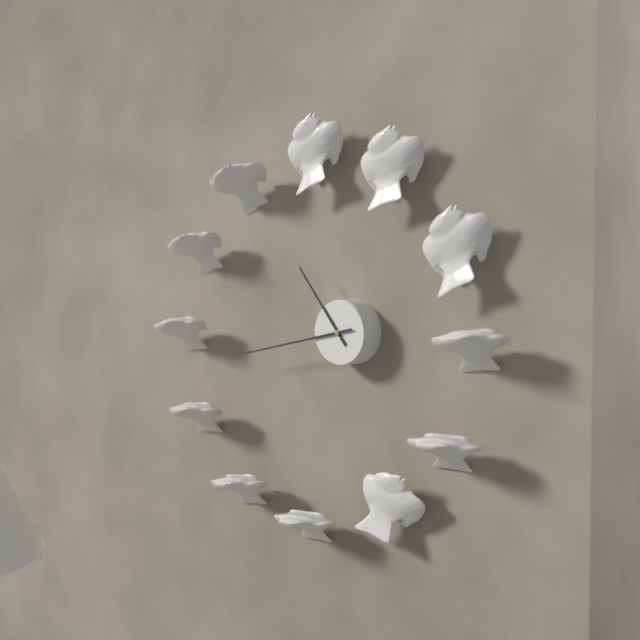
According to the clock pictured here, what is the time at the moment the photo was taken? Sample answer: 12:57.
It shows 10:43
